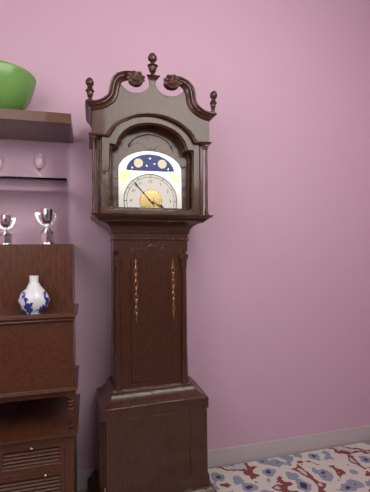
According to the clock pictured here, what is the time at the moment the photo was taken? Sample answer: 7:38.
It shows 3:53
